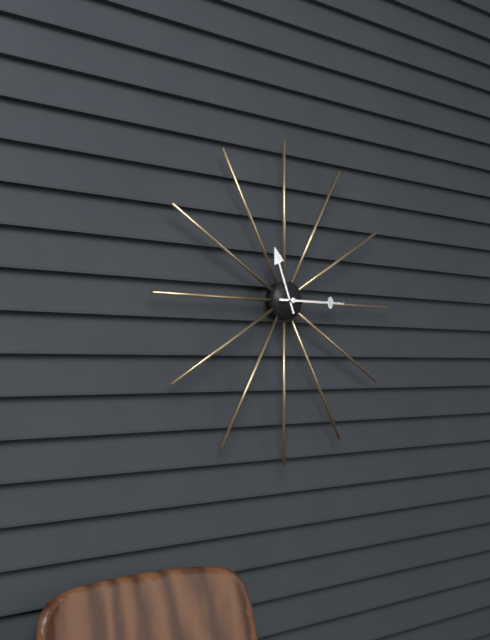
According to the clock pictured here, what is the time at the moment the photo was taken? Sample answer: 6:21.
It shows 11:15
